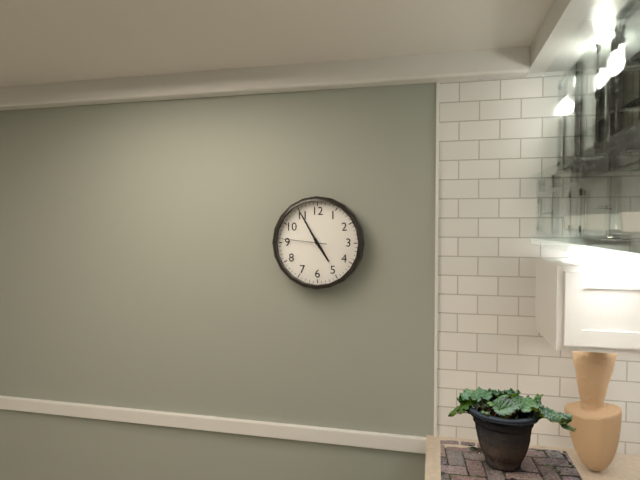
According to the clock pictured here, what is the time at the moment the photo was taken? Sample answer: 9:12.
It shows 4:55
